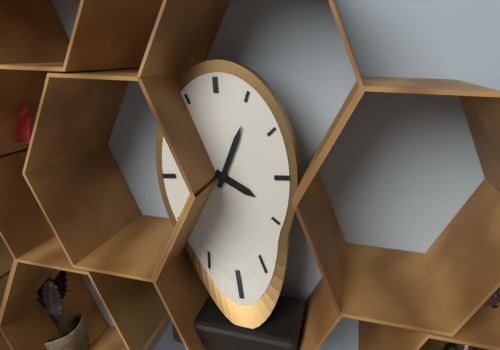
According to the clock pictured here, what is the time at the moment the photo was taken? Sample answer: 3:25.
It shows 4:04
